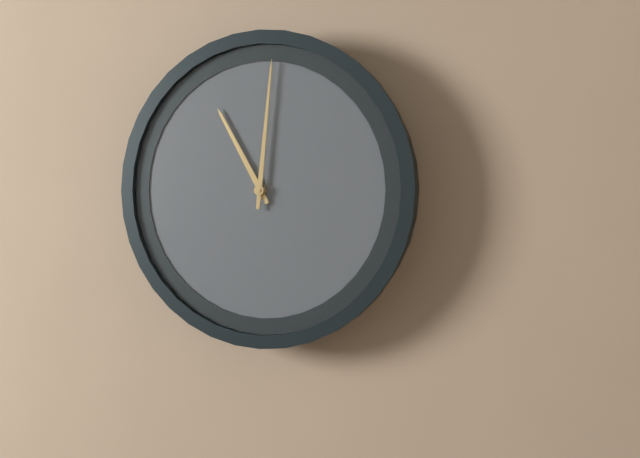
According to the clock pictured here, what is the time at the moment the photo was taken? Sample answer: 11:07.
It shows 11:01
